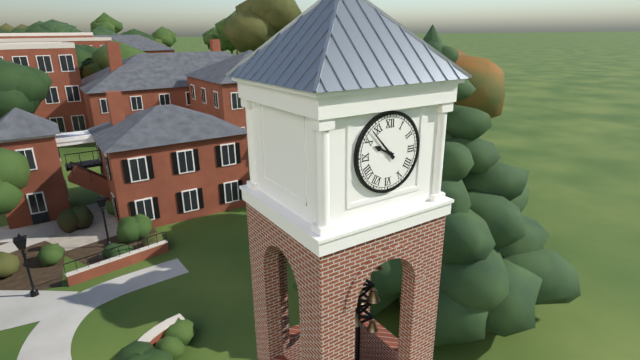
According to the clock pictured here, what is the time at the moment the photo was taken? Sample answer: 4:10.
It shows 9:53
